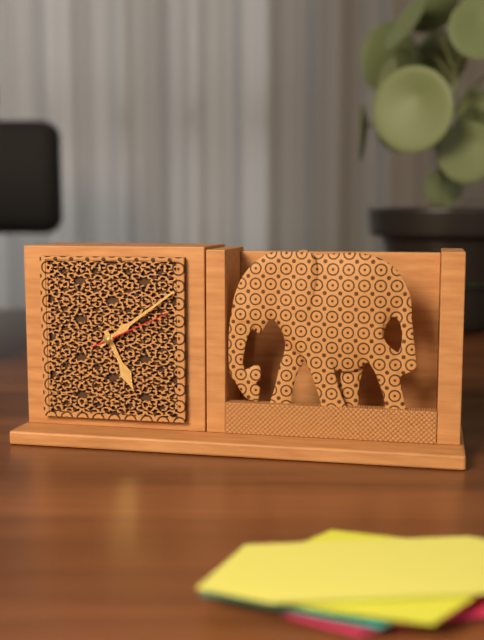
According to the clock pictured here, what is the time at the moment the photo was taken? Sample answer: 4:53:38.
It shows 5:09:11
